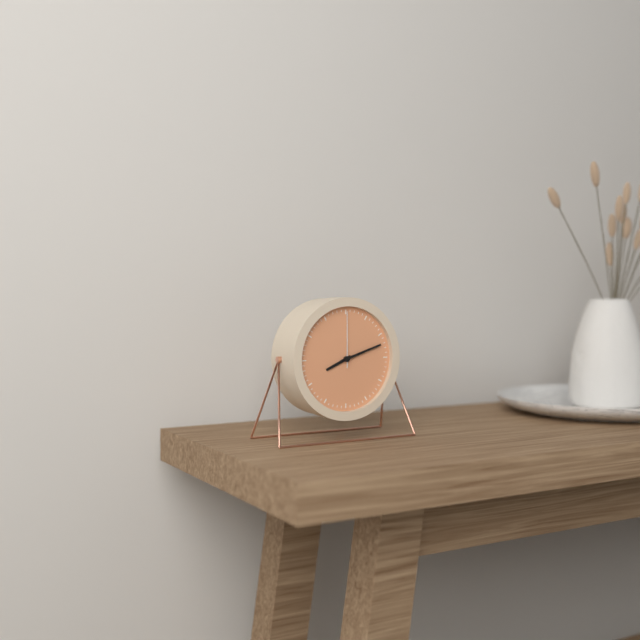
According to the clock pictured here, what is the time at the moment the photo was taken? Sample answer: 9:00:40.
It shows 8:12:00
